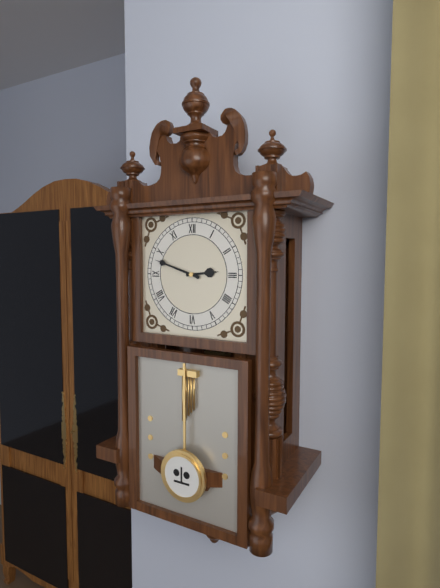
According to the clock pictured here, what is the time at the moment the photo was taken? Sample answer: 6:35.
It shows 2:48
